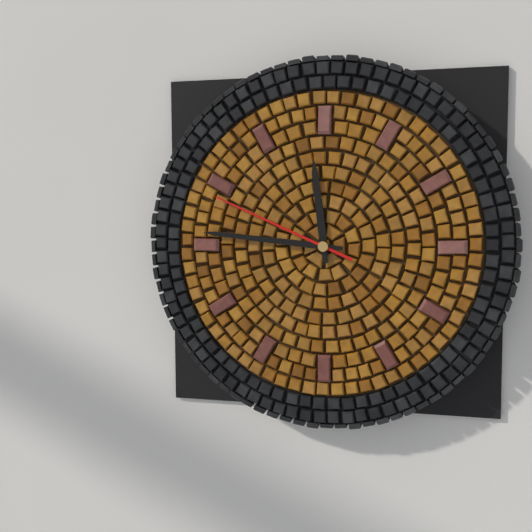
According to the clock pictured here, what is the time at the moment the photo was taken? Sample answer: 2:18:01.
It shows 11:46:49
